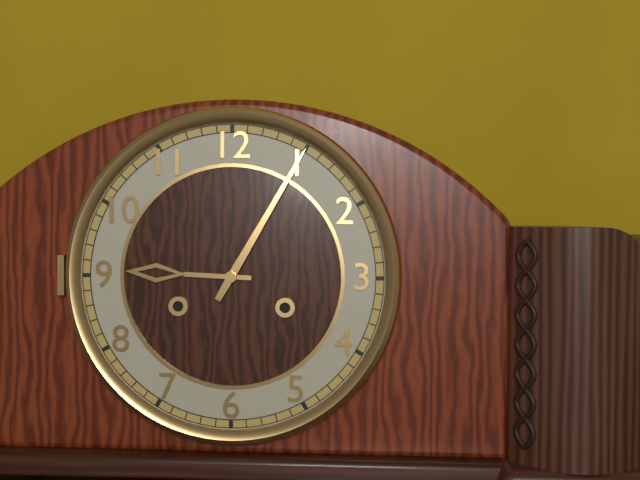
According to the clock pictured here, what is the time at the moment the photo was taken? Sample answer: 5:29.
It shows 9:05
